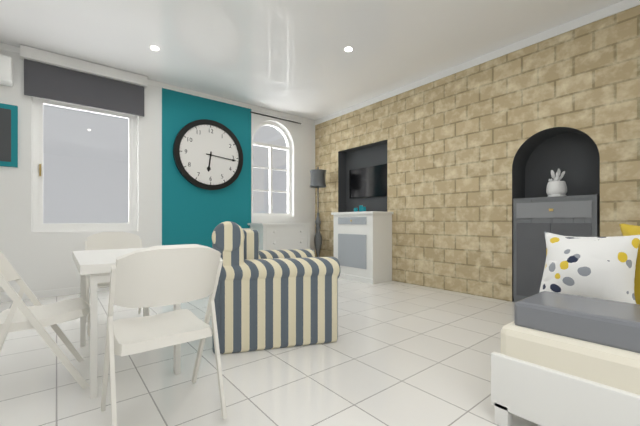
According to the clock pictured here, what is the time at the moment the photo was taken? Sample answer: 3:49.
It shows 6:16
